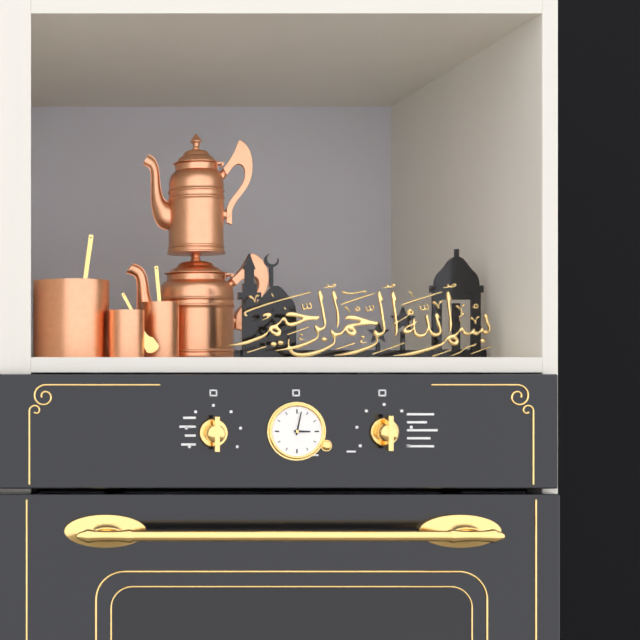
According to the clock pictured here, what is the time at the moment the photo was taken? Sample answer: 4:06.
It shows 3:02
